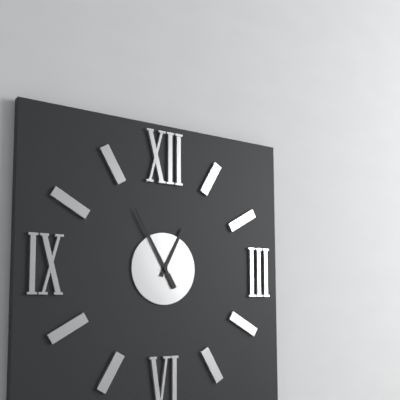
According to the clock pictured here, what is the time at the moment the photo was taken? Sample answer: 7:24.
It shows 12:55
